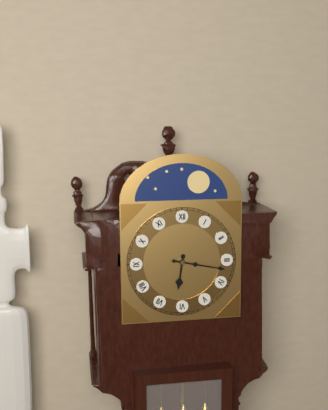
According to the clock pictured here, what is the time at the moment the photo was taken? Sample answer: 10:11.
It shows 6:17
